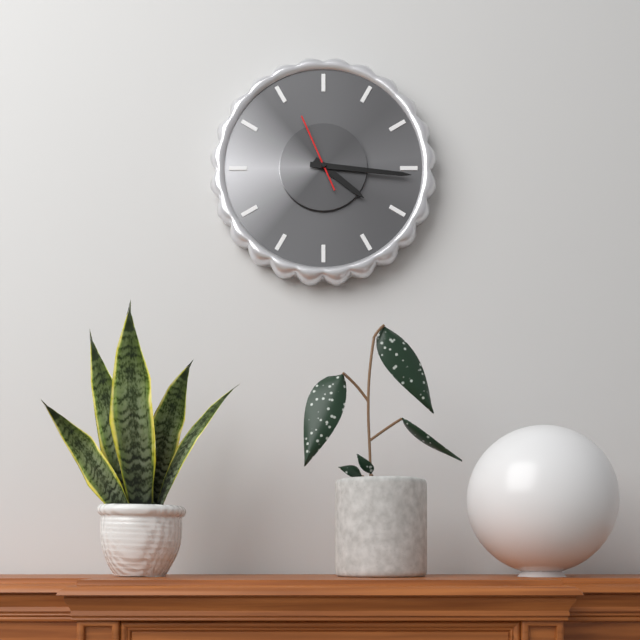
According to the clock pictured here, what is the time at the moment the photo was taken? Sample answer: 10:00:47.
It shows 4:16:56
